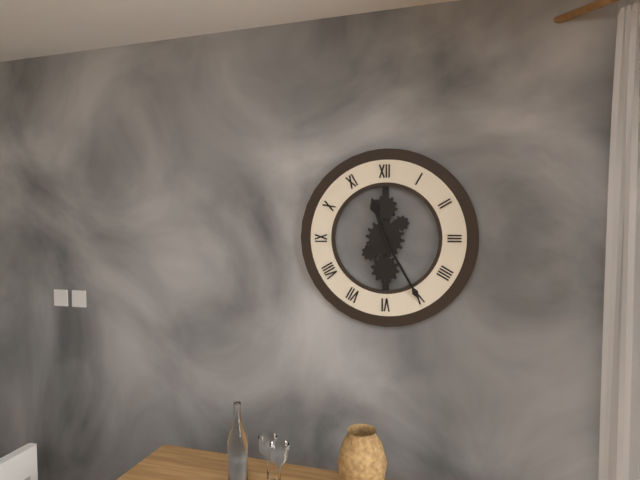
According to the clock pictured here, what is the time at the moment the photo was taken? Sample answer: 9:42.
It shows 11:25
